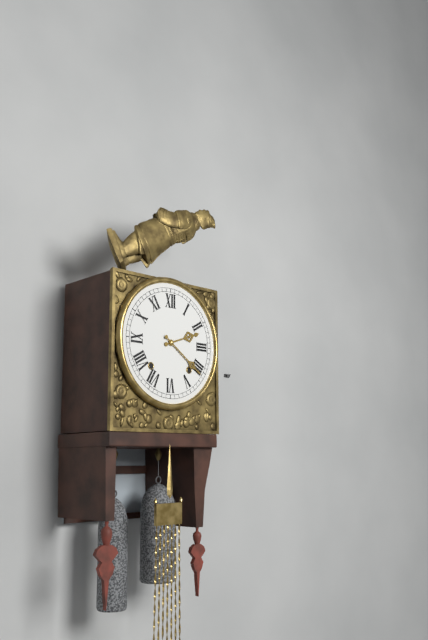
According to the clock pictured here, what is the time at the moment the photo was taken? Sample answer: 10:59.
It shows 2:21
